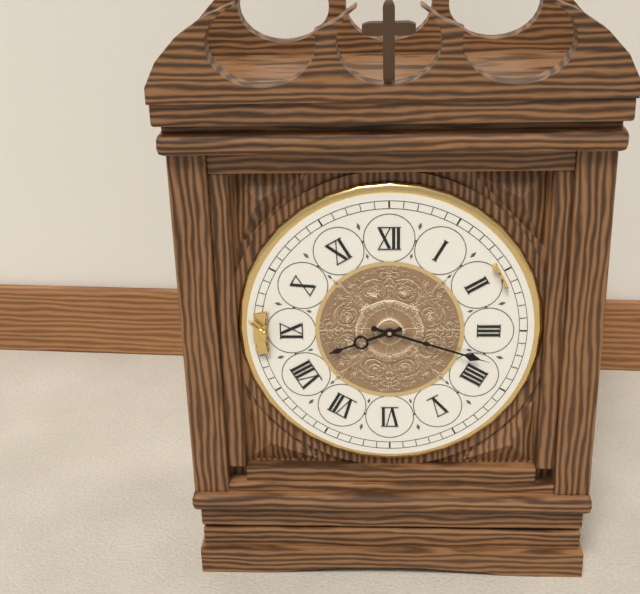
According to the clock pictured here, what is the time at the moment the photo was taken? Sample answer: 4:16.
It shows 8:18
